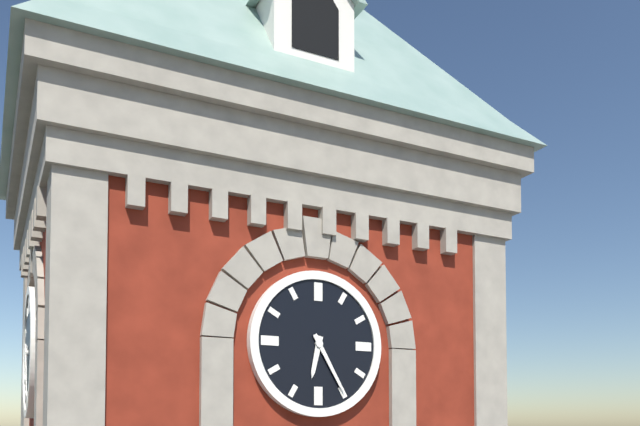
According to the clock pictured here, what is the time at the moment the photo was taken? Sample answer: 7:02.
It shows 6:25
